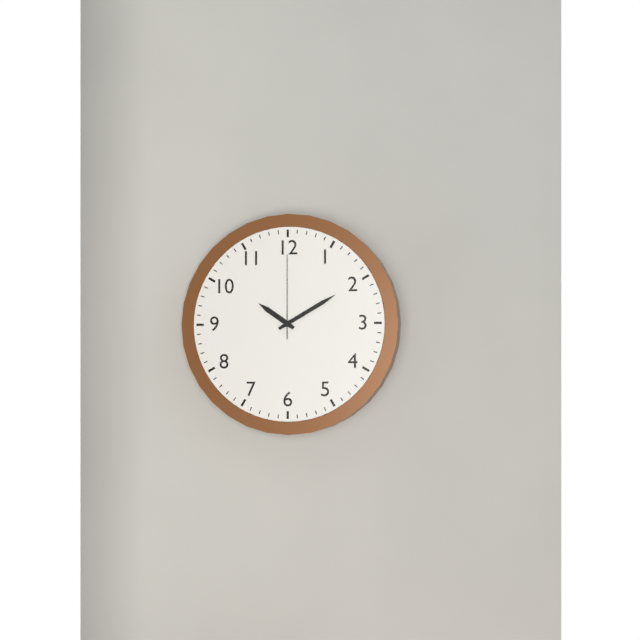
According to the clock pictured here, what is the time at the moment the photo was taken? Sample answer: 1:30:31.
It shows 10:10:00
